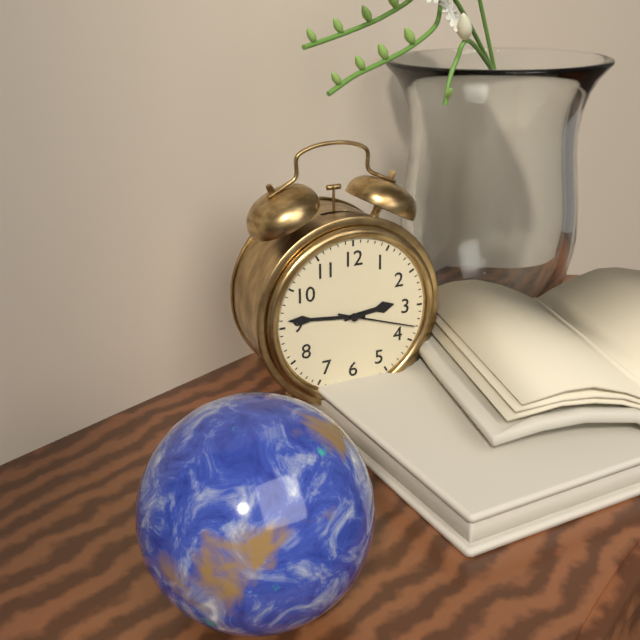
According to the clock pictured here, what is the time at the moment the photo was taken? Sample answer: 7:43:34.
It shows 2:46:18
